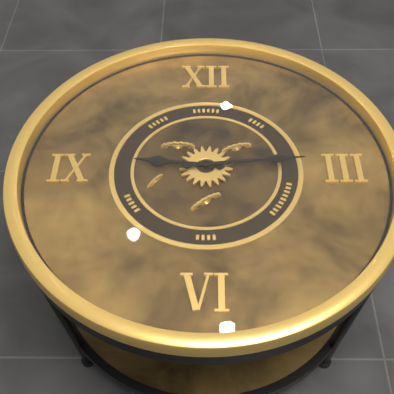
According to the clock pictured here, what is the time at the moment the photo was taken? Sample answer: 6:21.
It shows 9:14
